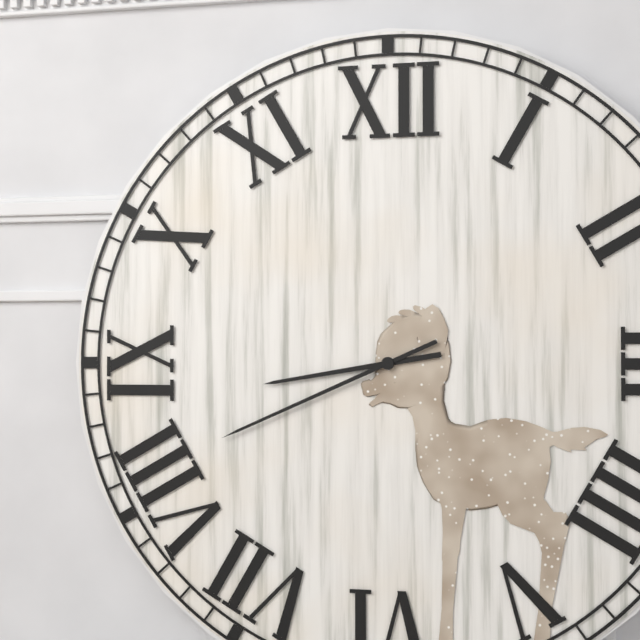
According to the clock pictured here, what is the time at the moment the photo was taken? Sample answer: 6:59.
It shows 8:41
